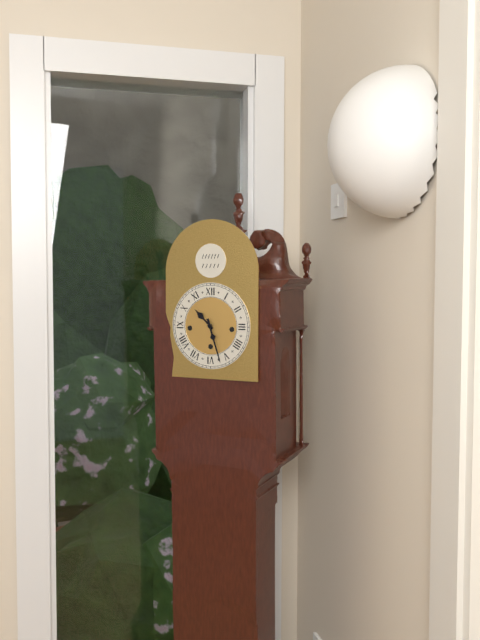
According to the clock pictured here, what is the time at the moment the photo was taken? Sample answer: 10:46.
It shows 10:27
